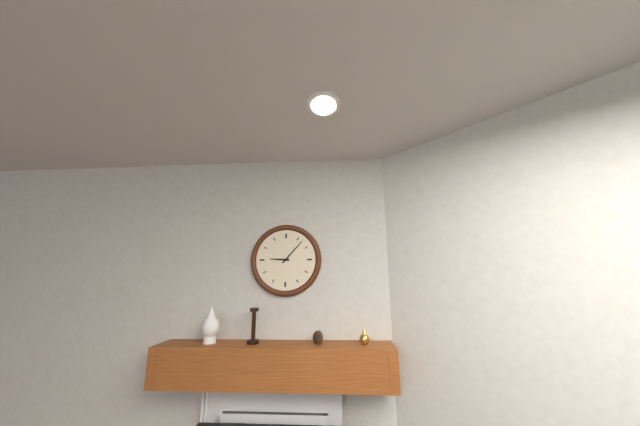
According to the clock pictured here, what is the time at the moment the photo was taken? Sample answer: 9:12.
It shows 9:07
